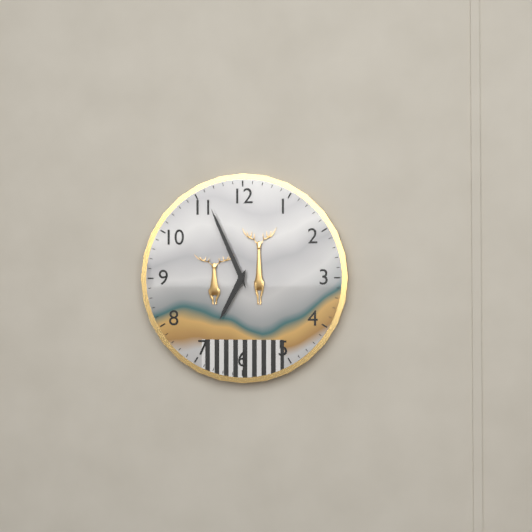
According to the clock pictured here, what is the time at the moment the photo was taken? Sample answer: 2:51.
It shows 6:56
